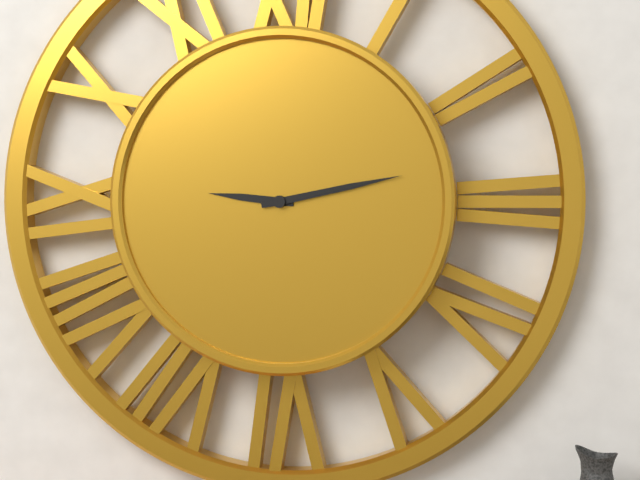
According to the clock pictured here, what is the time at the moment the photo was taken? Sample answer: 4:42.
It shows 9:13
